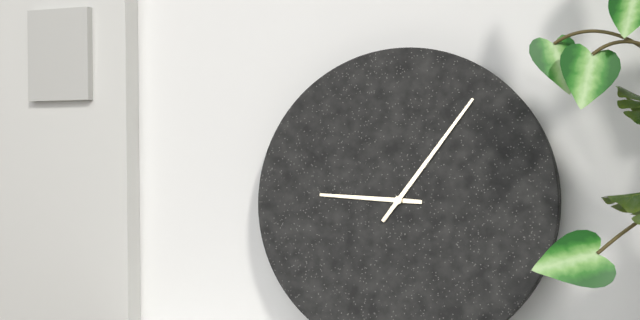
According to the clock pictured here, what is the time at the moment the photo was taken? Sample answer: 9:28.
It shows 9:06
